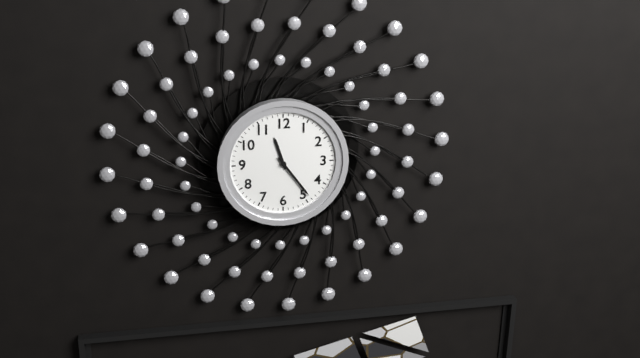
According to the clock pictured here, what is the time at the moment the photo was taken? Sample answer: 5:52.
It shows 11:24
